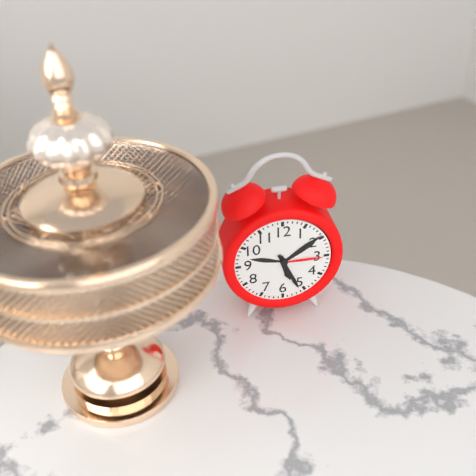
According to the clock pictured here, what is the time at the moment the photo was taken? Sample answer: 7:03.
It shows 5:26
